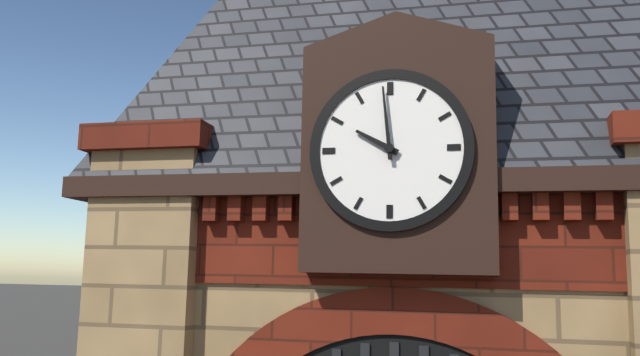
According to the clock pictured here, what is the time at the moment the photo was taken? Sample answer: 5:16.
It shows 9:59
